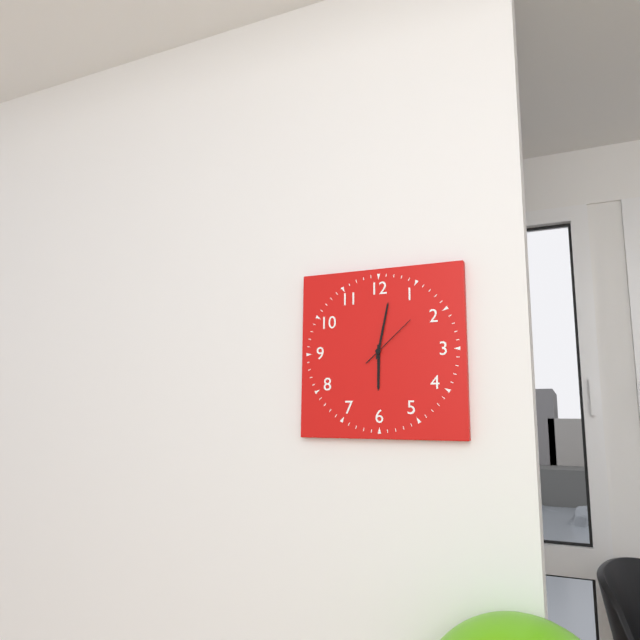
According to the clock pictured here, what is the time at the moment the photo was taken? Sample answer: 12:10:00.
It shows 6:02:08
